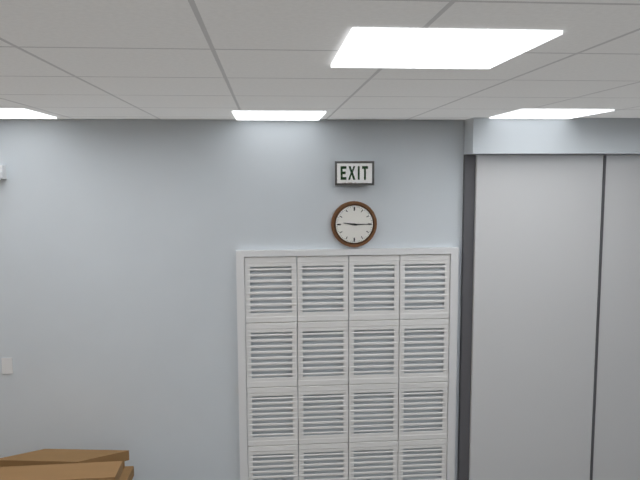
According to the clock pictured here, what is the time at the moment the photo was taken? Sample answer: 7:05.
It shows 9:15
